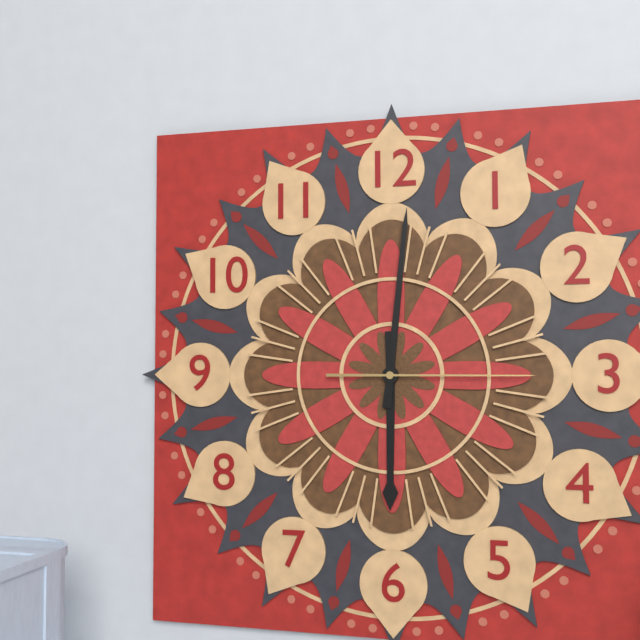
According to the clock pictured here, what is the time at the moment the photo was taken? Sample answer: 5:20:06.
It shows 6:01:15
